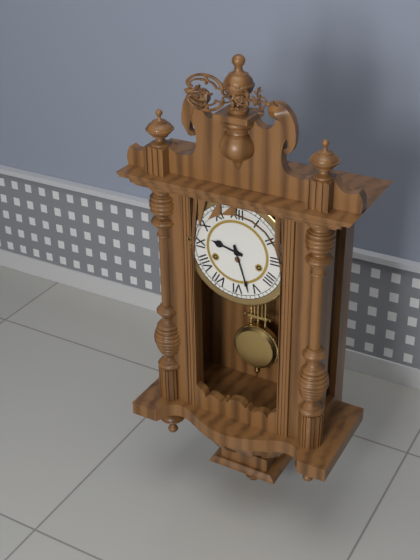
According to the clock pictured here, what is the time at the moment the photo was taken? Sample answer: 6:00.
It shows 9:27
